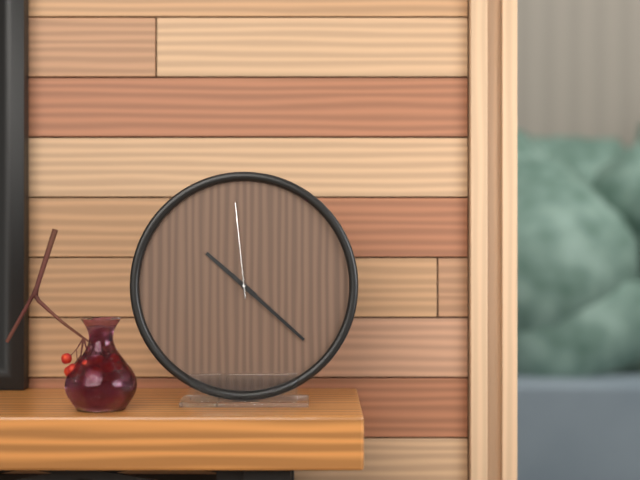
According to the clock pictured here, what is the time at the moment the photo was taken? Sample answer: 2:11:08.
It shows 10:22:59
